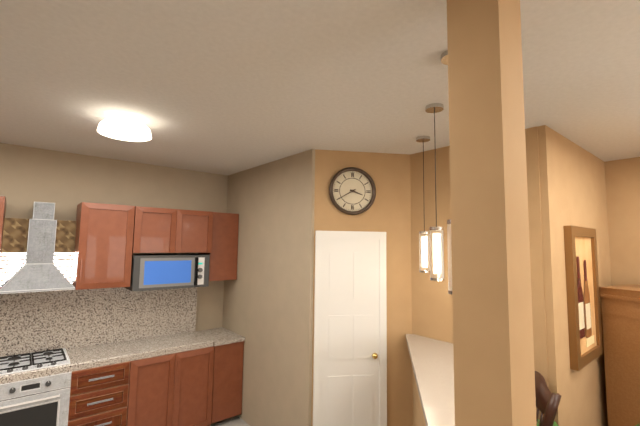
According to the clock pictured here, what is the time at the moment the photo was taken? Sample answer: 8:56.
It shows 3:40
